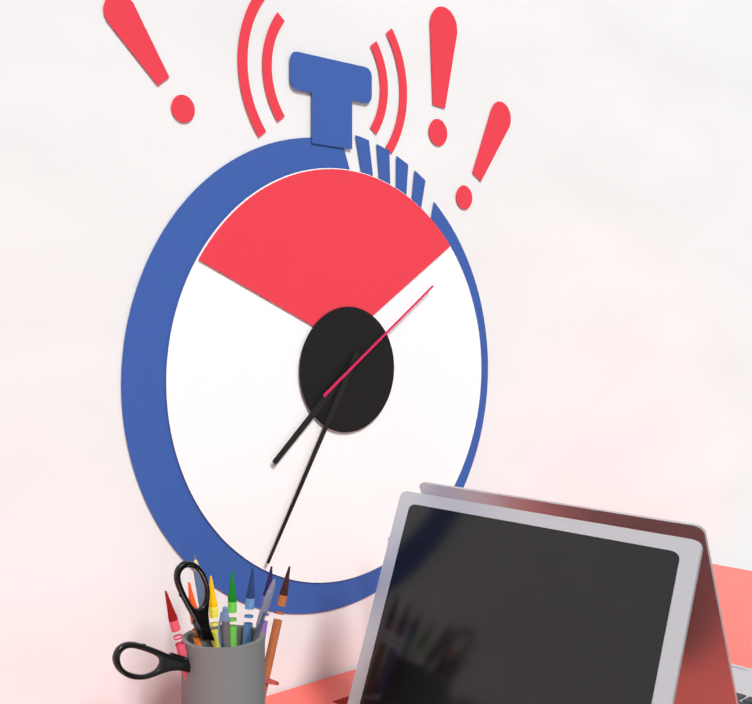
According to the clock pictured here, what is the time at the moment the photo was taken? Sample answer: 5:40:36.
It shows 7:35:09
